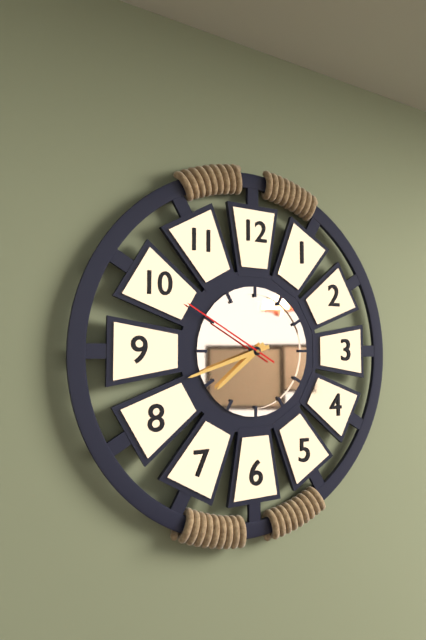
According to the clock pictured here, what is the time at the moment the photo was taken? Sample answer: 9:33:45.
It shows 7:42:50
